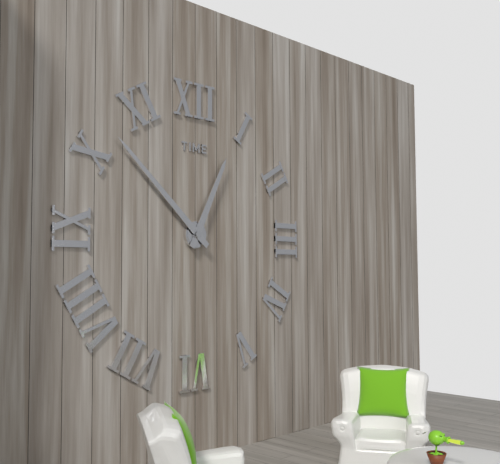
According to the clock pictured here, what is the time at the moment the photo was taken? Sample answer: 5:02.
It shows 12:52
